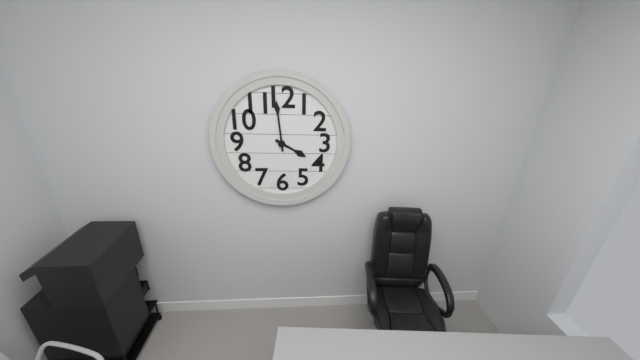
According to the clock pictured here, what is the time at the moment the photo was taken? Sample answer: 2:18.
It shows 3:59
